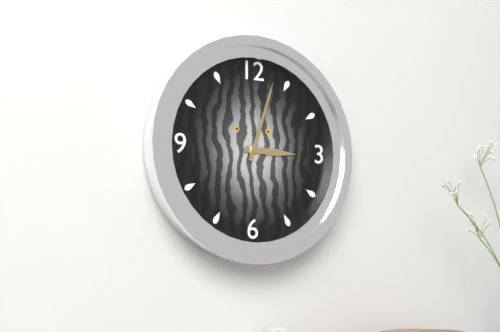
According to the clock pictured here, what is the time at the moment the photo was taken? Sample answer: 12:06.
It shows 3:03
